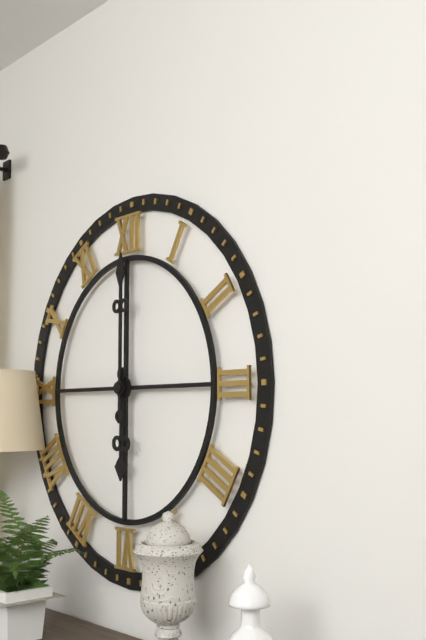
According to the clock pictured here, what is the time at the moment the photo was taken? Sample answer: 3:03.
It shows 6:00
